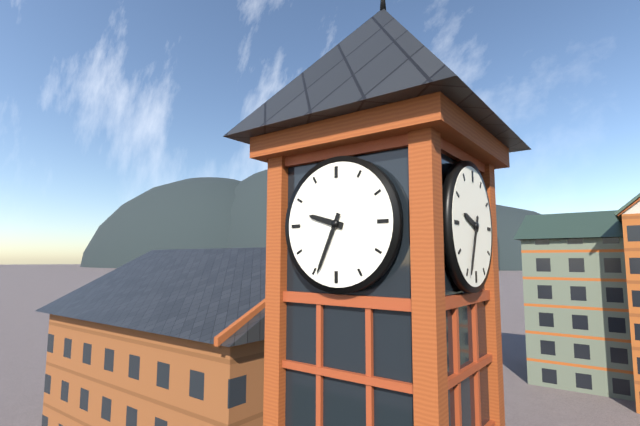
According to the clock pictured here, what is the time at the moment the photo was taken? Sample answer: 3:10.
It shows 9:34
